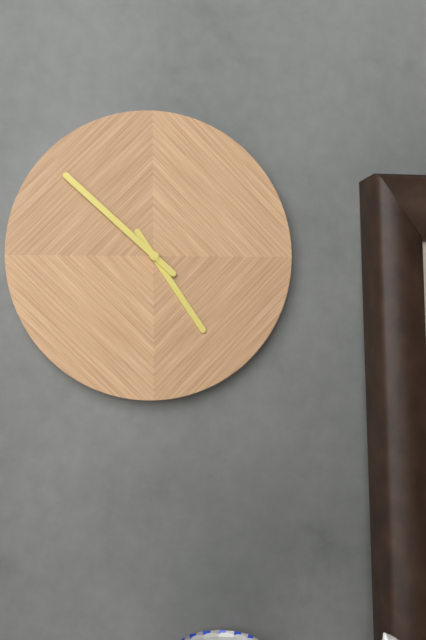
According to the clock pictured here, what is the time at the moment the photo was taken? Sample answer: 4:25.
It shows 4:52
